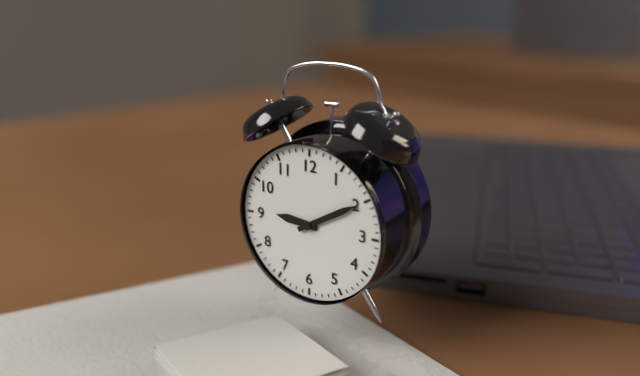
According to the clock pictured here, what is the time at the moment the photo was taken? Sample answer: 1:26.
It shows 9:10
